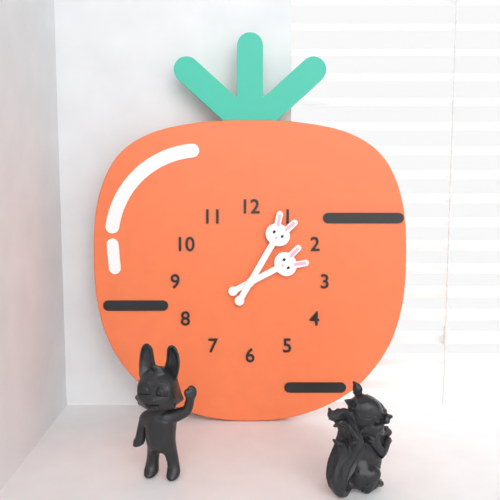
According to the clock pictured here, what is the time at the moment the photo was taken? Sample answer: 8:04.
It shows 2:05
